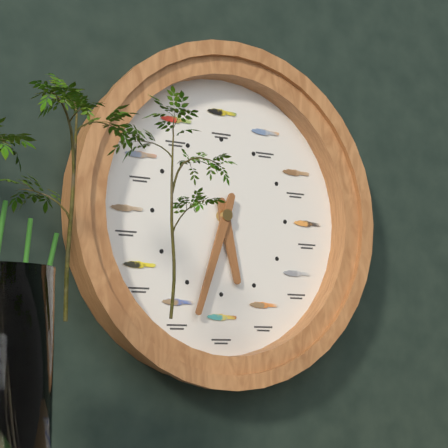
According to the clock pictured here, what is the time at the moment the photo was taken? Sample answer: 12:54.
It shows 5:33
